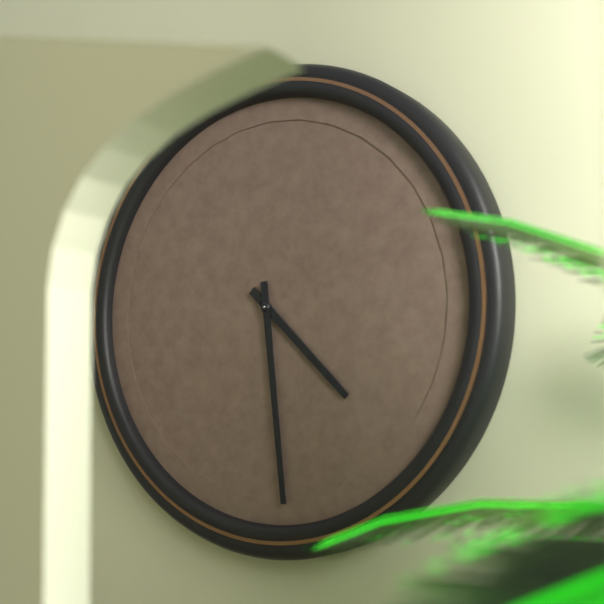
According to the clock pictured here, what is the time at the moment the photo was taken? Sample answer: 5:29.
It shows 4:29
